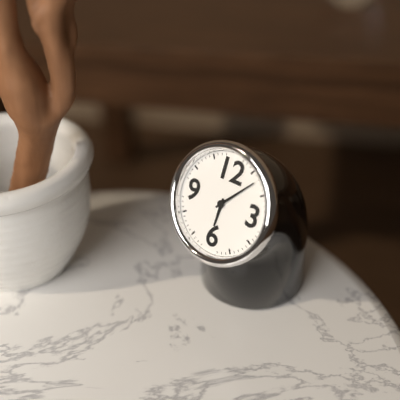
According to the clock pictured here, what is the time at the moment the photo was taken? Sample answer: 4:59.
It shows 6:07
